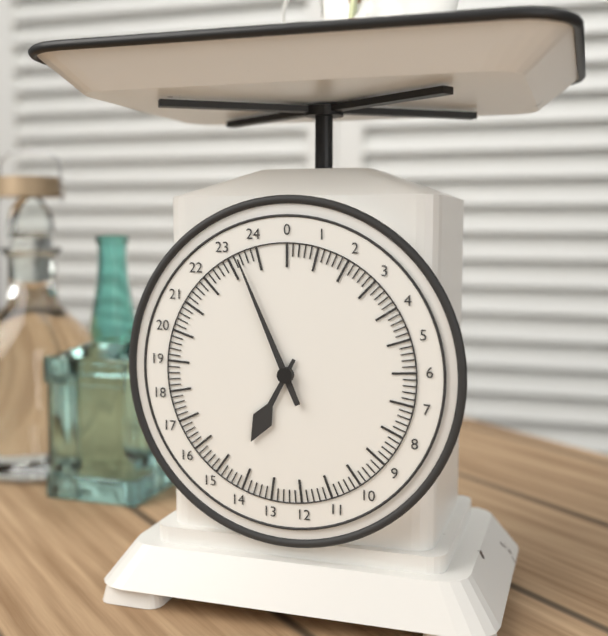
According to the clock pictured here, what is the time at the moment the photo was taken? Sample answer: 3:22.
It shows 6:56
